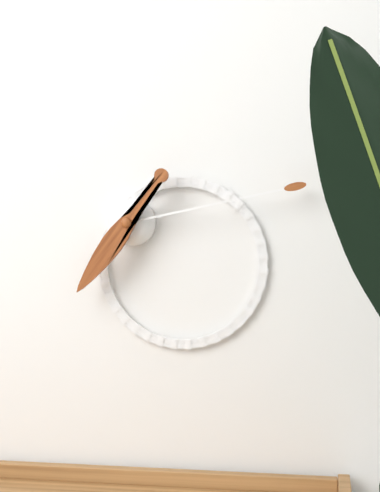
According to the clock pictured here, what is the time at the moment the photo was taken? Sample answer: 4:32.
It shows 7:13
